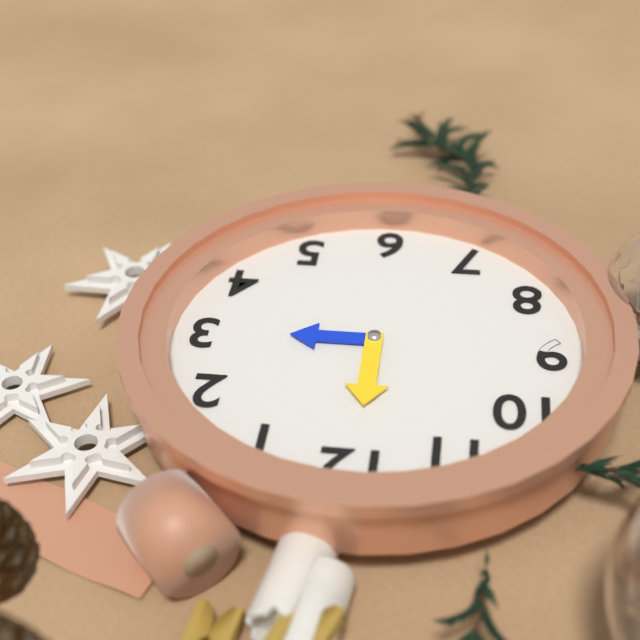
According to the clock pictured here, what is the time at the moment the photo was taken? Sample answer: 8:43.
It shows 3:00
